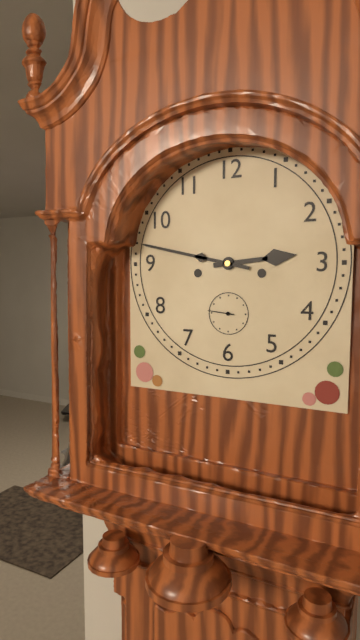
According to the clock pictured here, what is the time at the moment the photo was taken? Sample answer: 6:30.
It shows 2:47
